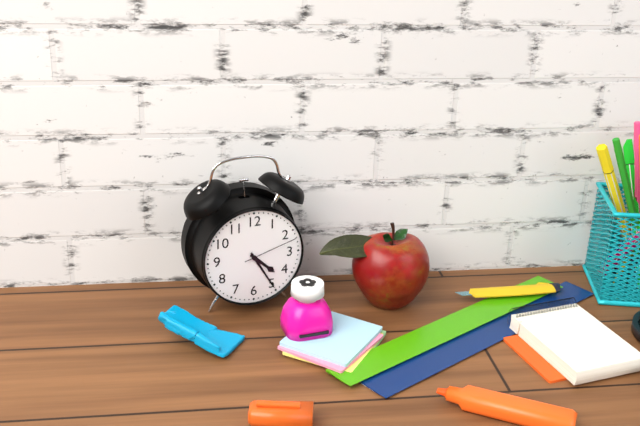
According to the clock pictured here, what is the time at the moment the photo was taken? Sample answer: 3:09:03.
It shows 4:25:12
